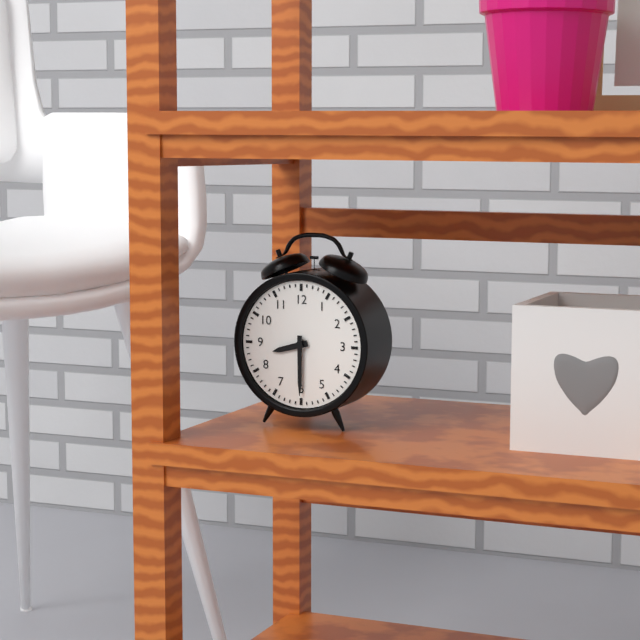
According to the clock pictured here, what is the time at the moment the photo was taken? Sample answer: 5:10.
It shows 8:30
